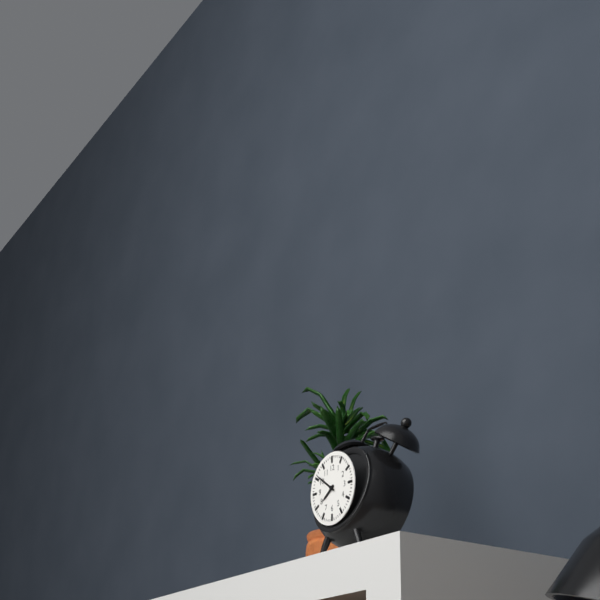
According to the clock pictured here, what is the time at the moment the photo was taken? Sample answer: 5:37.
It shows 7:51
